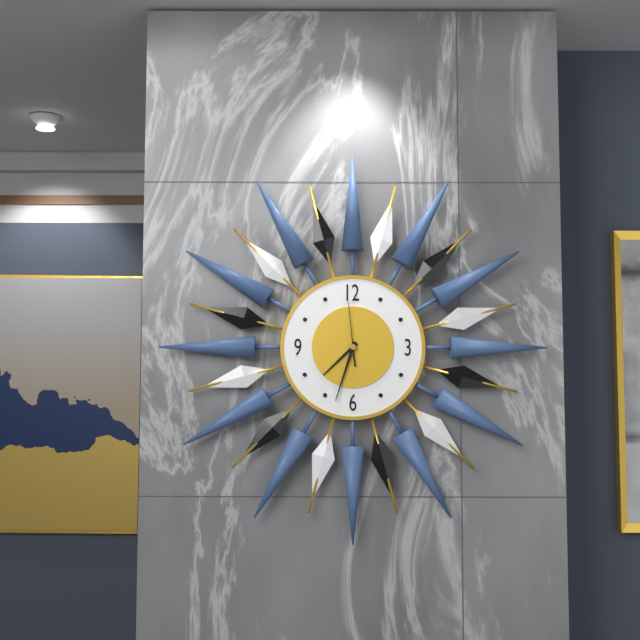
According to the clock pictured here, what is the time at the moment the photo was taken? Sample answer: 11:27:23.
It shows 7:33:59
